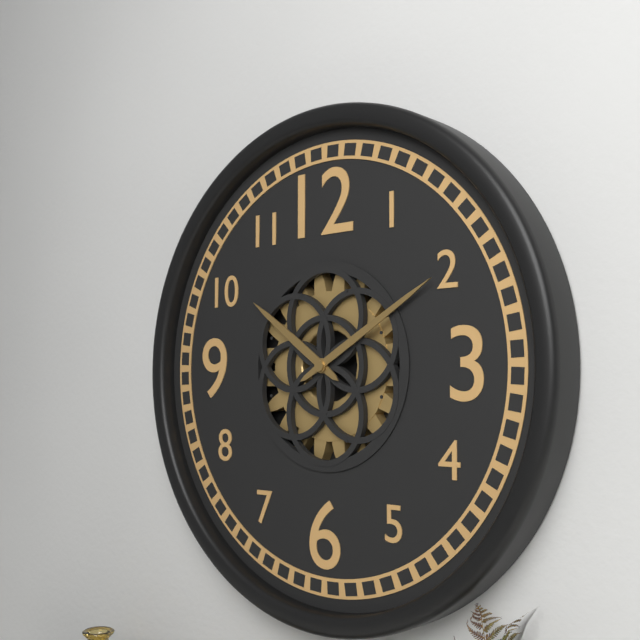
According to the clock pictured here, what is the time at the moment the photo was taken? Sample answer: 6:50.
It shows 10:10
